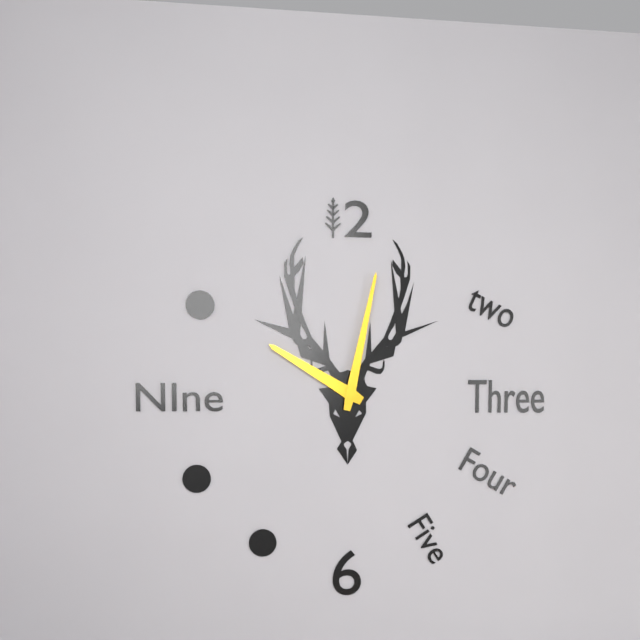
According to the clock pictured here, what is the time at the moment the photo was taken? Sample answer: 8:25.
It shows 10:02
